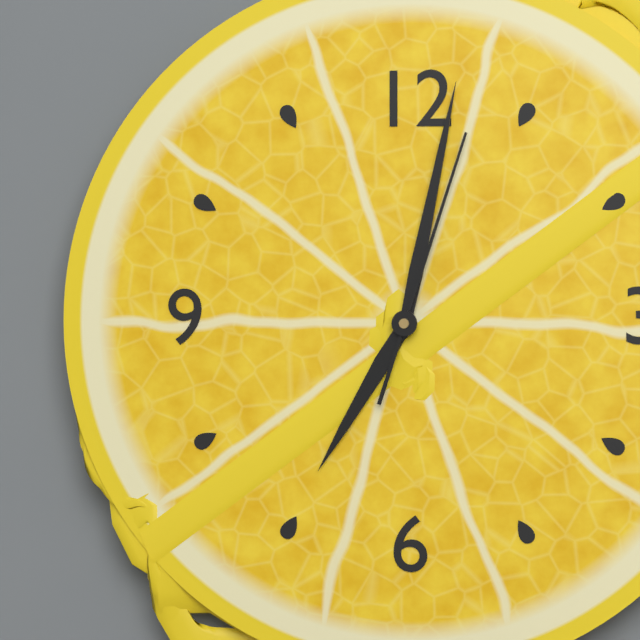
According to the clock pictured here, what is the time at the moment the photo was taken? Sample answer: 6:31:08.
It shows 7:02:03
